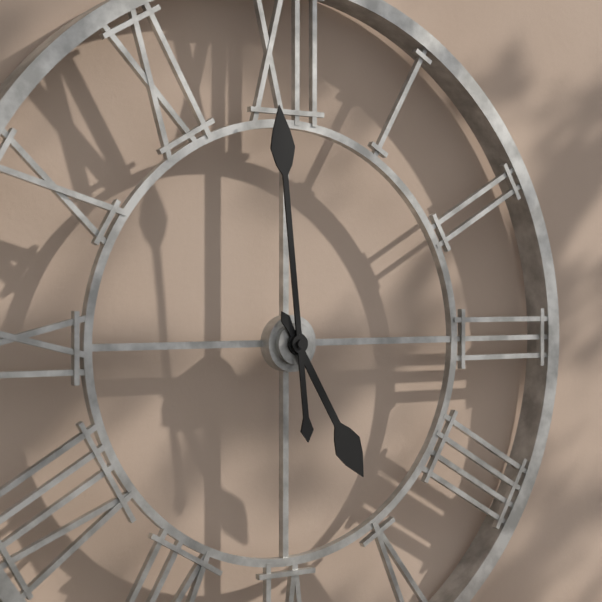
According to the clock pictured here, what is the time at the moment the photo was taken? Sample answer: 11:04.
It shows 4:59
